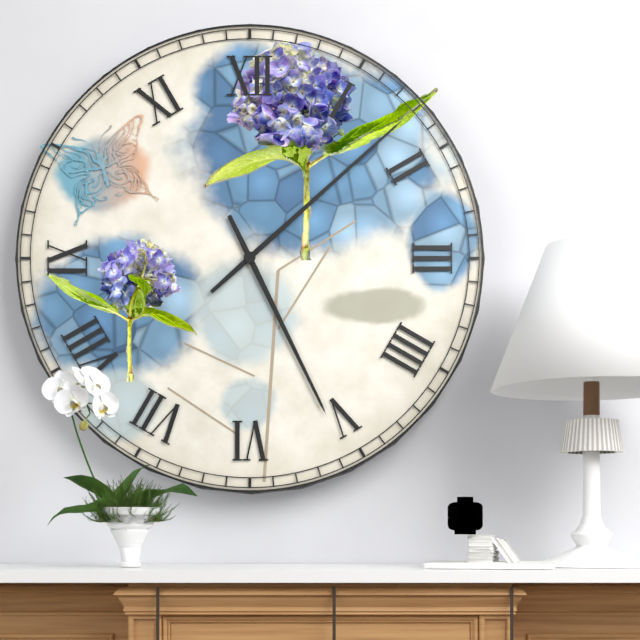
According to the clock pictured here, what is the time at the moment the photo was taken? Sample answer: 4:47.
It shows 5:08
